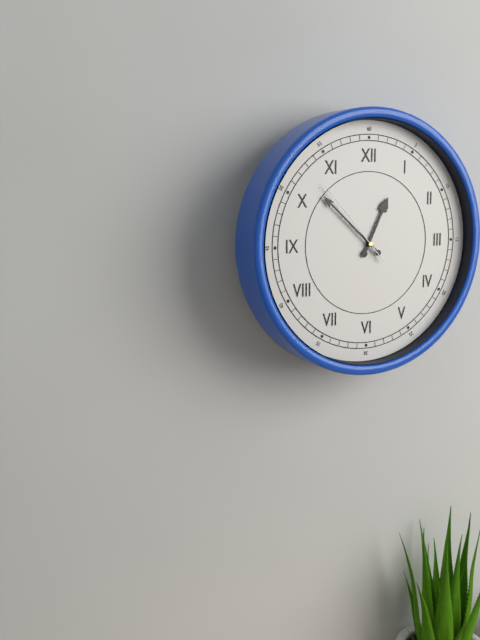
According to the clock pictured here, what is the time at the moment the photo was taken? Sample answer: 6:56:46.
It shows 12:52:53
